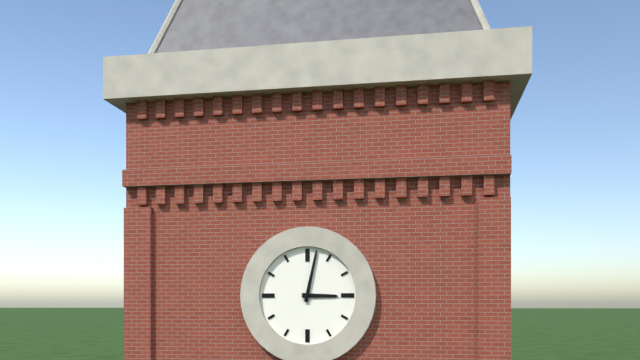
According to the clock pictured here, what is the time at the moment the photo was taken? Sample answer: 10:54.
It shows 3:02
